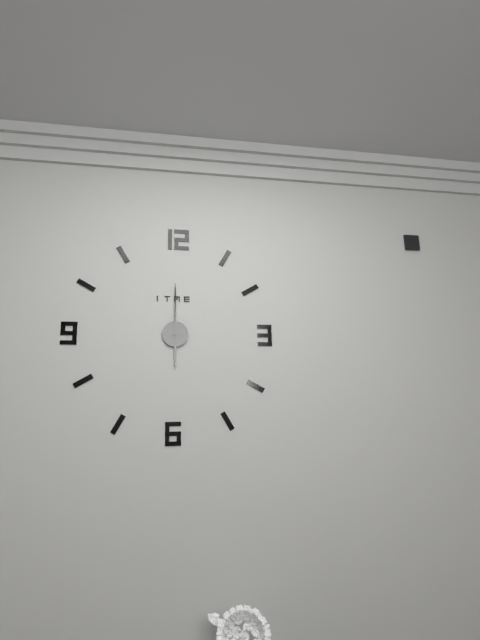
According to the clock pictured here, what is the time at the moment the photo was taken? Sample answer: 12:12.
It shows 6:00
